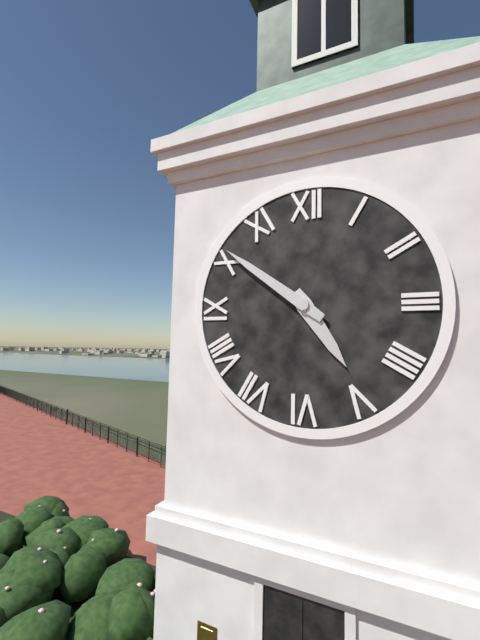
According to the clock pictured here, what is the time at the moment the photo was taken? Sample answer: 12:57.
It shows 4:51
